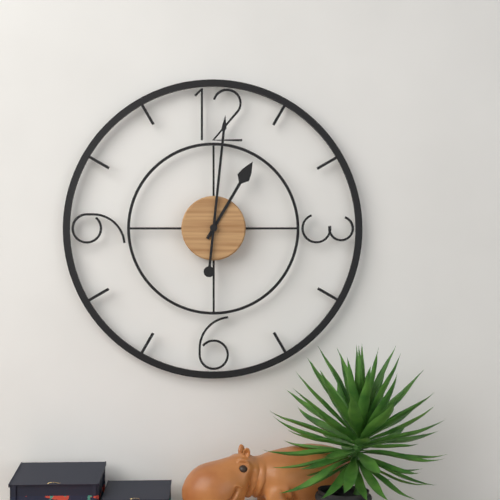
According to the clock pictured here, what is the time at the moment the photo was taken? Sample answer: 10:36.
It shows 1:01
